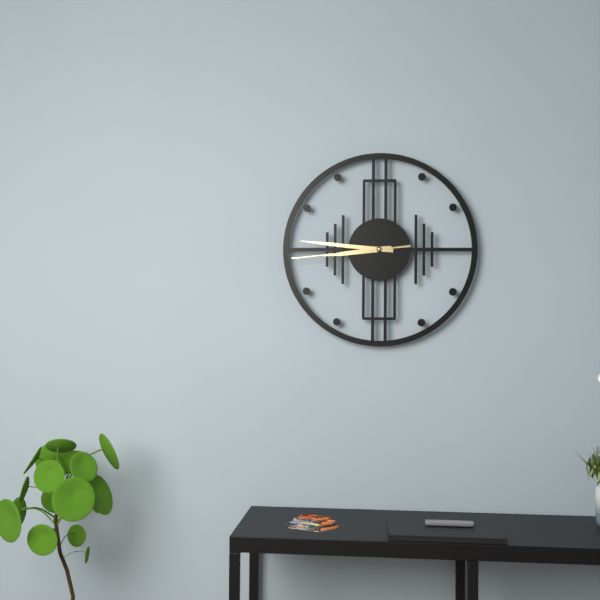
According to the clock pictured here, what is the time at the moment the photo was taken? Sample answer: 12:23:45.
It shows 8:46:44
